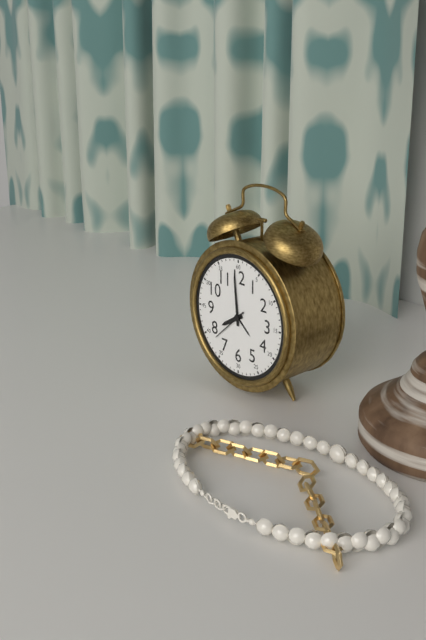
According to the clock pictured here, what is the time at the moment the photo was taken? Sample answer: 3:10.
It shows 7:59
